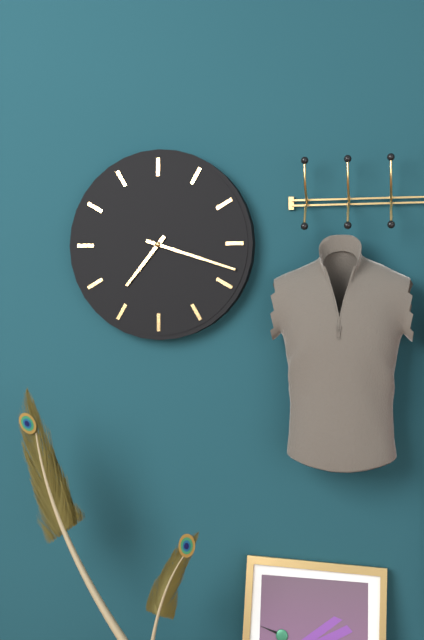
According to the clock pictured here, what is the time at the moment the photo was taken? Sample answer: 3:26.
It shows 7:18
